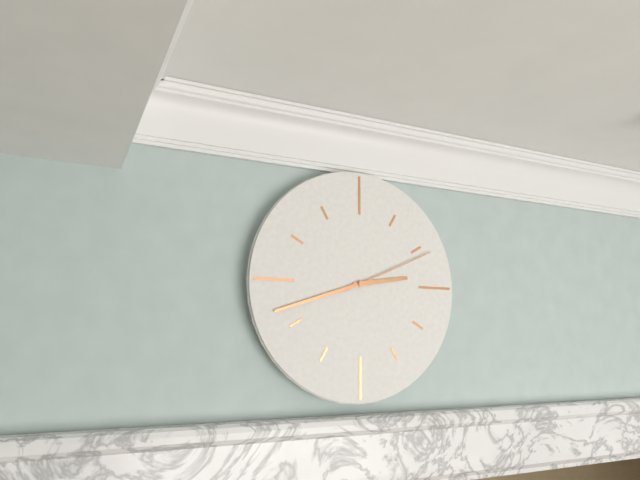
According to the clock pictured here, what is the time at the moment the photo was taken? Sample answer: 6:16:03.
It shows 2:42:11
